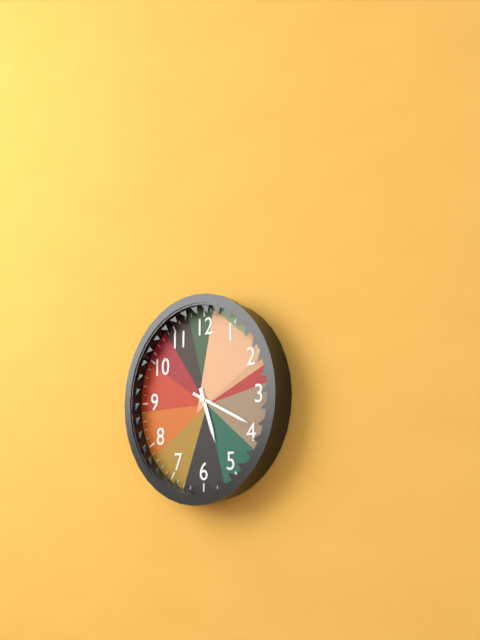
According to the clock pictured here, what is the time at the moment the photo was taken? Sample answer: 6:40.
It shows 5:19
